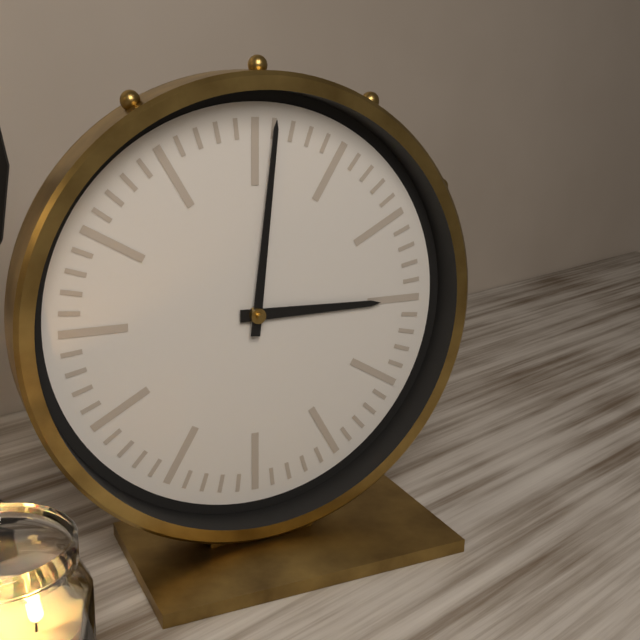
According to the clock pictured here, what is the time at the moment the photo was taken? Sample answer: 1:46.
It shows 3:01
